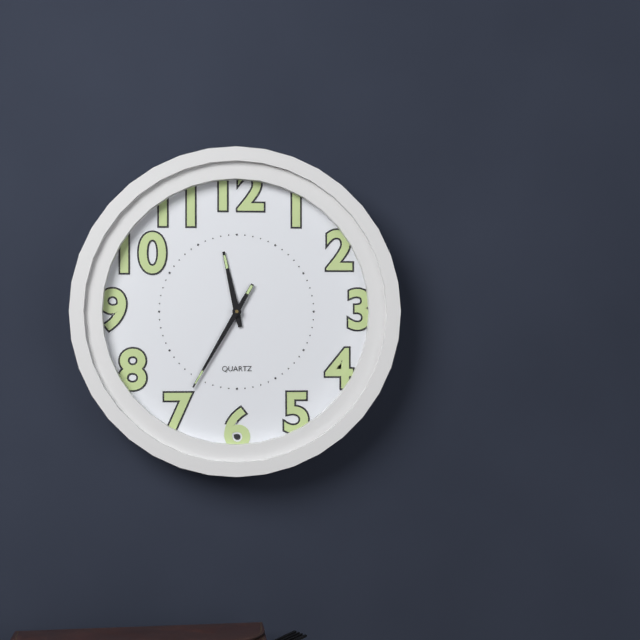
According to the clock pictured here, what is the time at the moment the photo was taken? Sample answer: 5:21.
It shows 11:35
